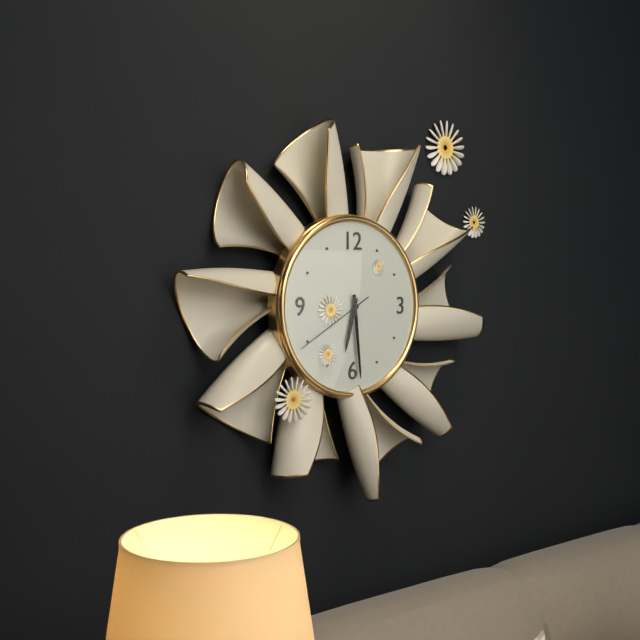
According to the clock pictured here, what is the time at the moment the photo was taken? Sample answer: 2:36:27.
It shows 6:29:40
